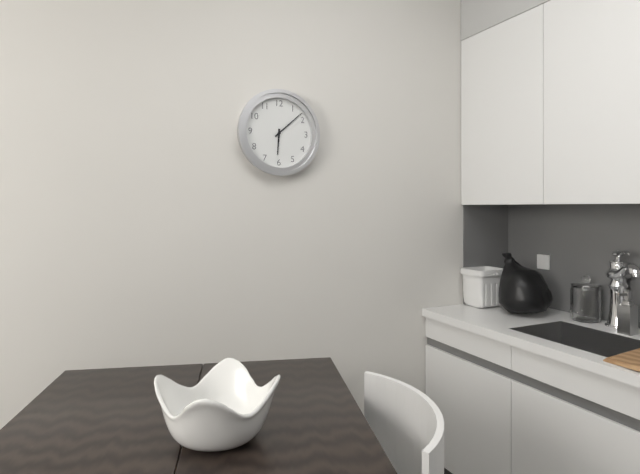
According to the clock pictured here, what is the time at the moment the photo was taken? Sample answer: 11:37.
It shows 6:08
